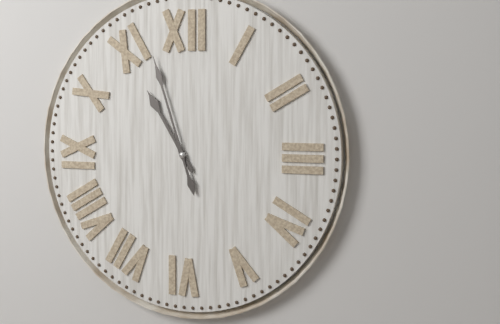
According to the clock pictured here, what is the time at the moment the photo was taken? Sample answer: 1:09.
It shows 10:57
